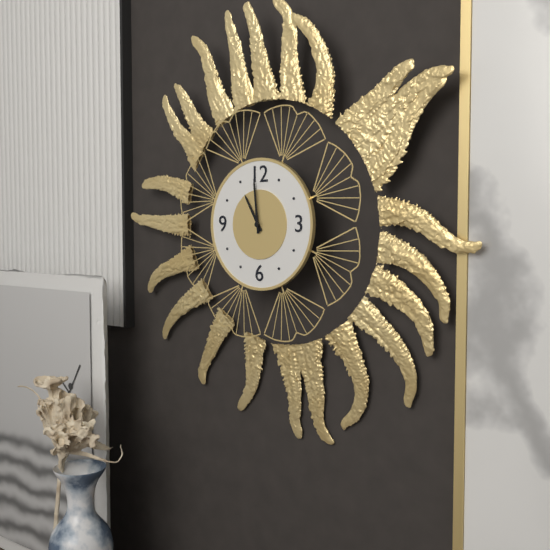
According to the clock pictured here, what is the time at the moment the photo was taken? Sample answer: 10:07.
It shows 10:59
